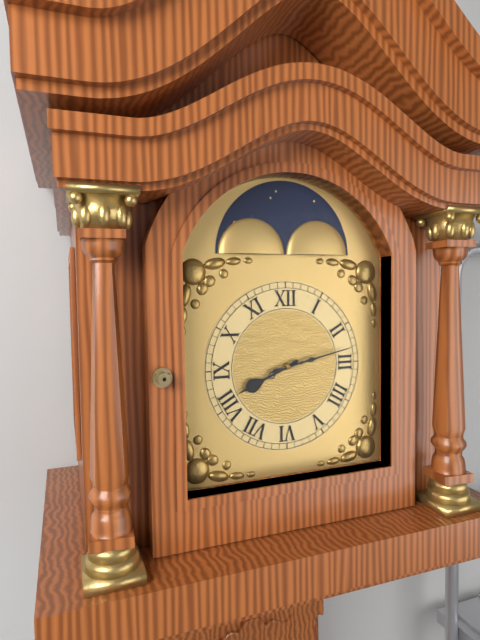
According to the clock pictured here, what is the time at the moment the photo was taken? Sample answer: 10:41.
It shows 8:13
